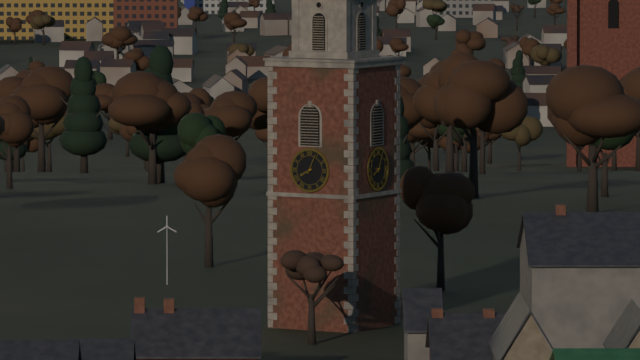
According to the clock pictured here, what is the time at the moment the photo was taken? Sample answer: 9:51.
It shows 8:04
